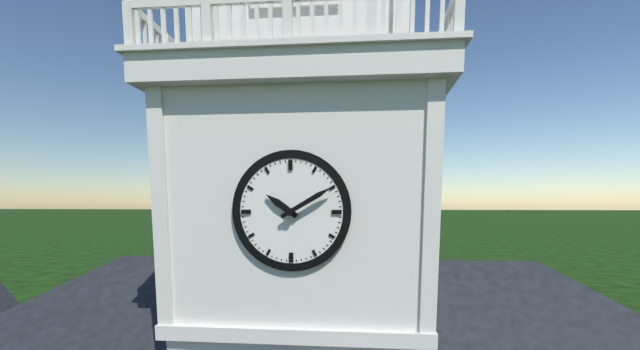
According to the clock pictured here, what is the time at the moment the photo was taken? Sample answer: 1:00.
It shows 10:10
